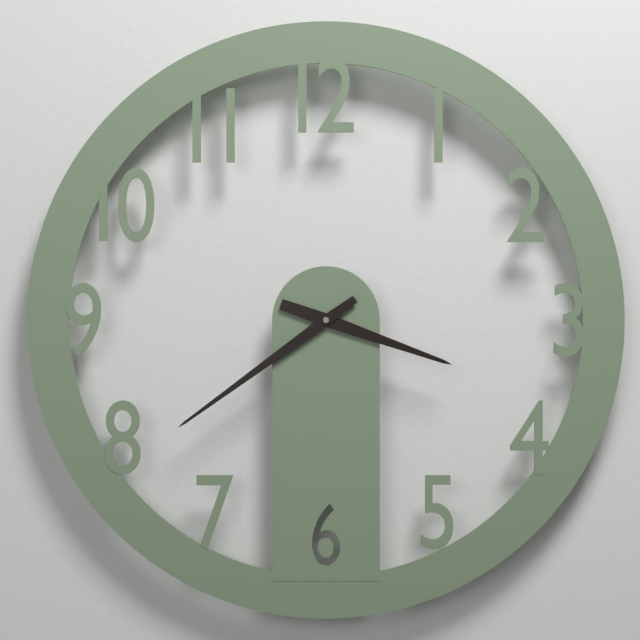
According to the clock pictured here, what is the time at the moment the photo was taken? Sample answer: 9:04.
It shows 3:39
